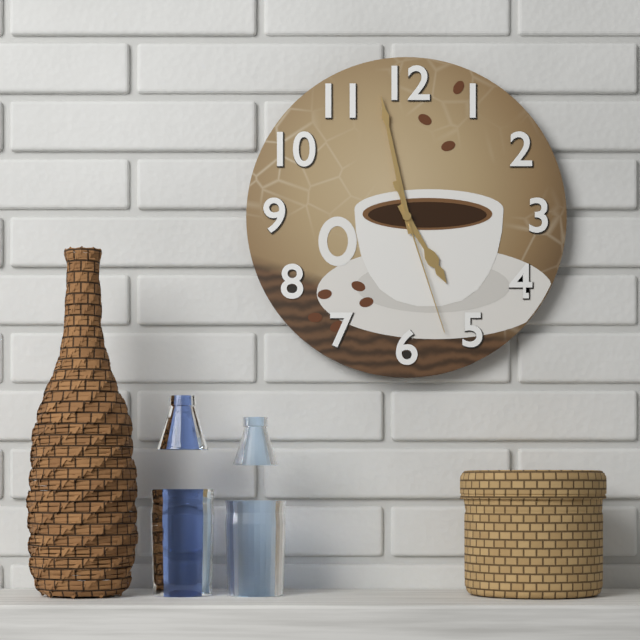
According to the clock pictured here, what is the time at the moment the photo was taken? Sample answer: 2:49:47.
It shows 4:58:27
